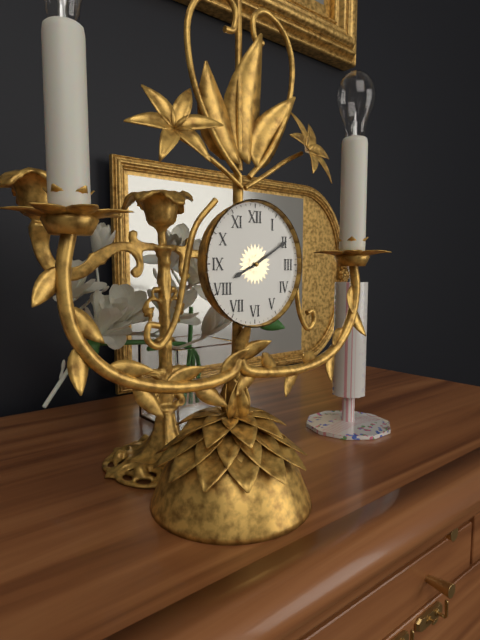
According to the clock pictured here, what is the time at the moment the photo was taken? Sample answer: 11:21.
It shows 8:10
